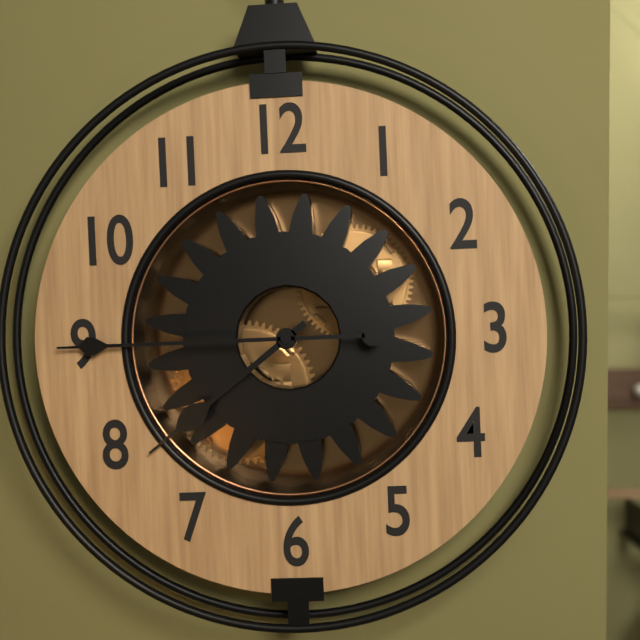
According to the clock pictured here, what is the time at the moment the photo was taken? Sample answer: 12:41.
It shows 7:45
